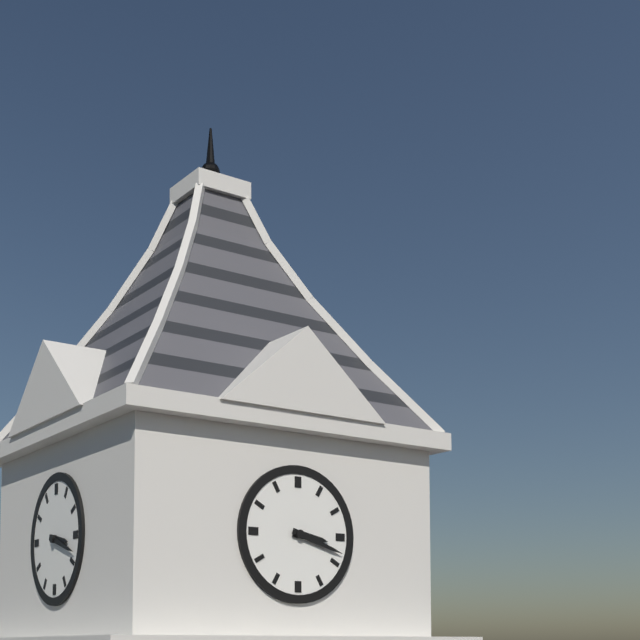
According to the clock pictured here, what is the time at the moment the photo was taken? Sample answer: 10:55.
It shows 3:18
